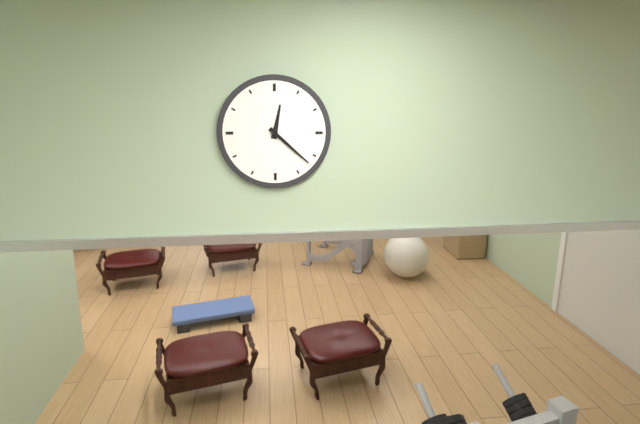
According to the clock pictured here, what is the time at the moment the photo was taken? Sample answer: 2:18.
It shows 12:22
